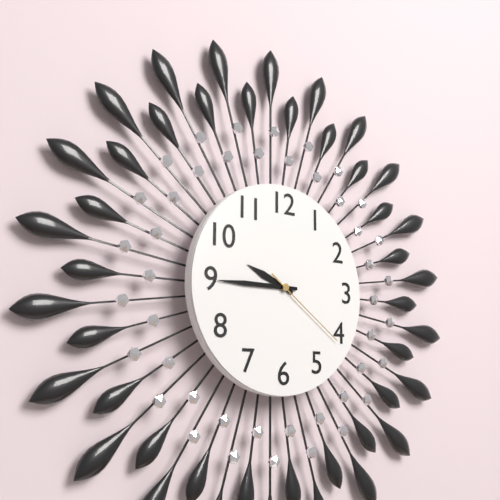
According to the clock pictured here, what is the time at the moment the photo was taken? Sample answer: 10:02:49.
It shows 9:45:21
